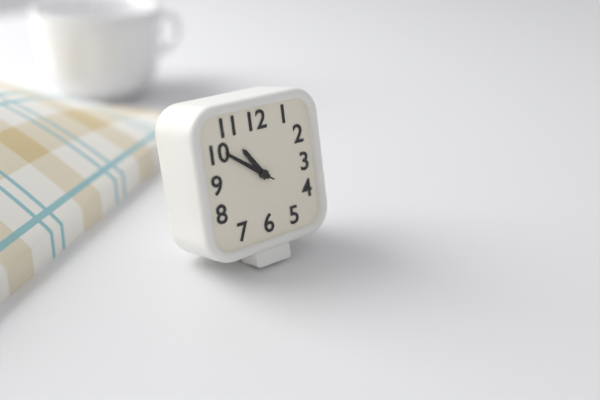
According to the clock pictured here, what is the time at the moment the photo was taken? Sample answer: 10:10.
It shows 10:51
